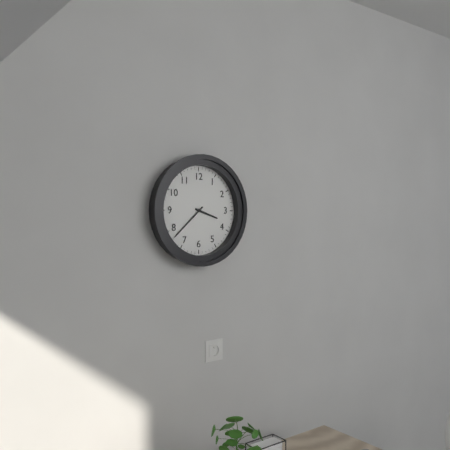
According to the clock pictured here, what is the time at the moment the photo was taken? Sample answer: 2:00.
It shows 3:38
